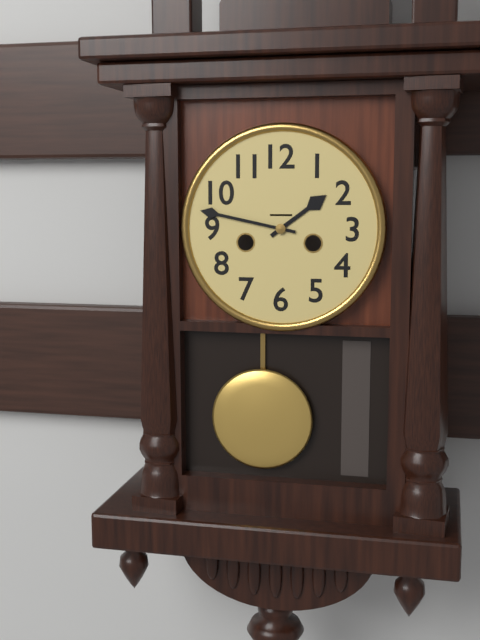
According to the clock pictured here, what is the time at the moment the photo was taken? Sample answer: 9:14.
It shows 1:47
